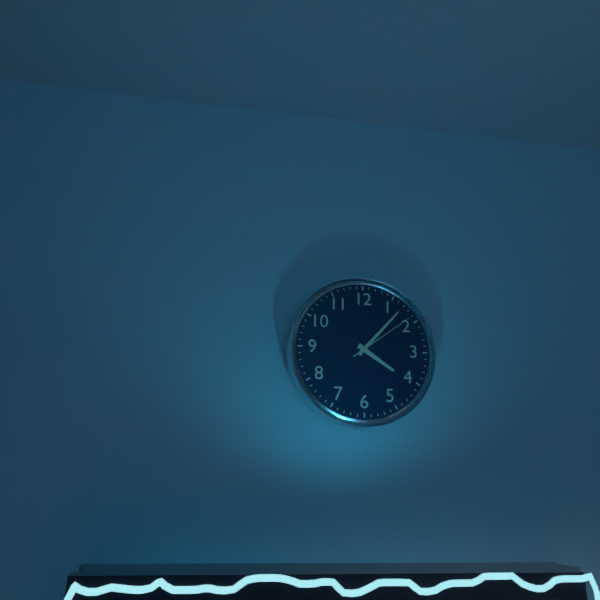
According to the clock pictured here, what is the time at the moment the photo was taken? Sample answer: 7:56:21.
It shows 4:07:09
